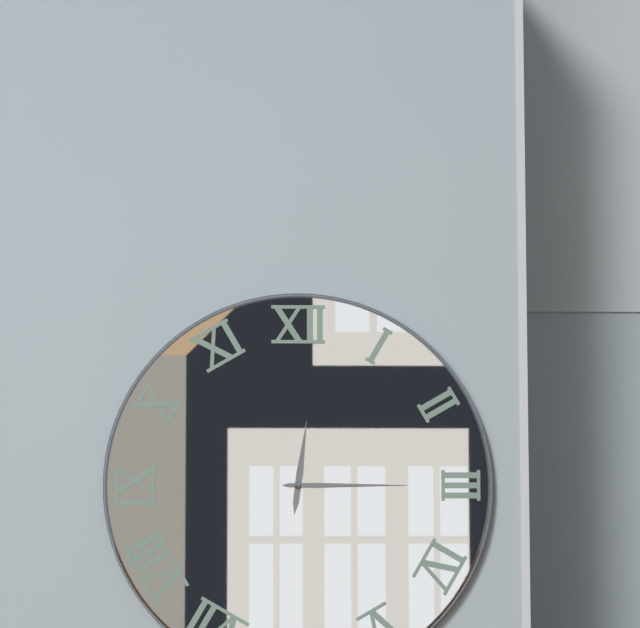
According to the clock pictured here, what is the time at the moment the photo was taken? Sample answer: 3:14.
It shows 12:15
